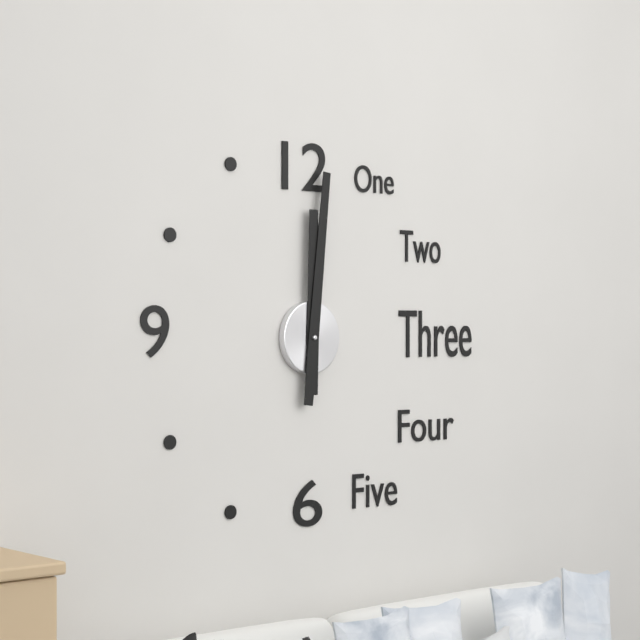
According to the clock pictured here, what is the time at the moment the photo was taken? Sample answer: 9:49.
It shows 12:01
